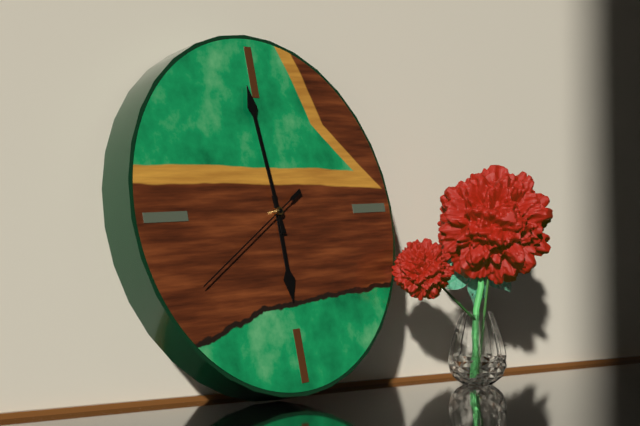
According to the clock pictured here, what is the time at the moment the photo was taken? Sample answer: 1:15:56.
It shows 5:59:40
